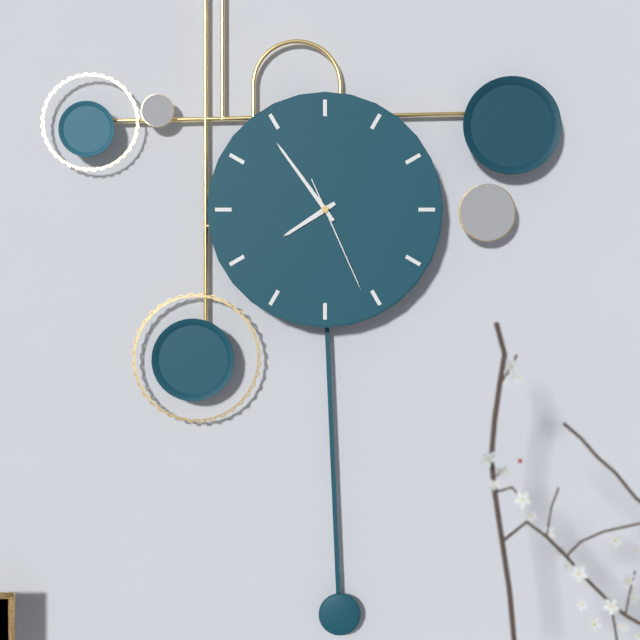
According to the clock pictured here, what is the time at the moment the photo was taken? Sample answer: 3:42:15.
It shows 7:54:26
